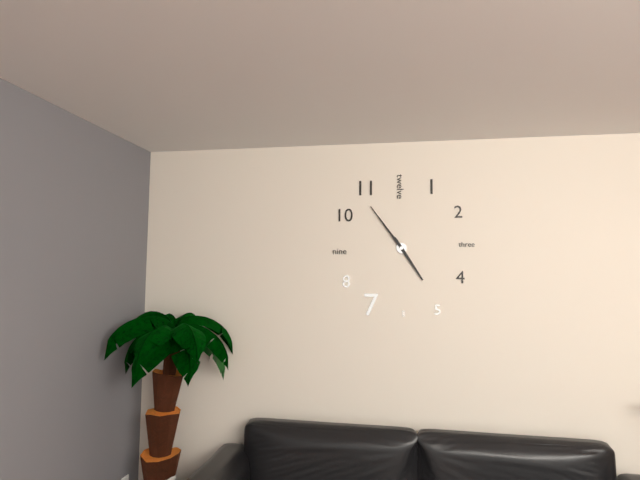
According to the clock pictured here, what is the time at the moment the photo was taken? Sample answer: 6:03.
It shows 4:54
